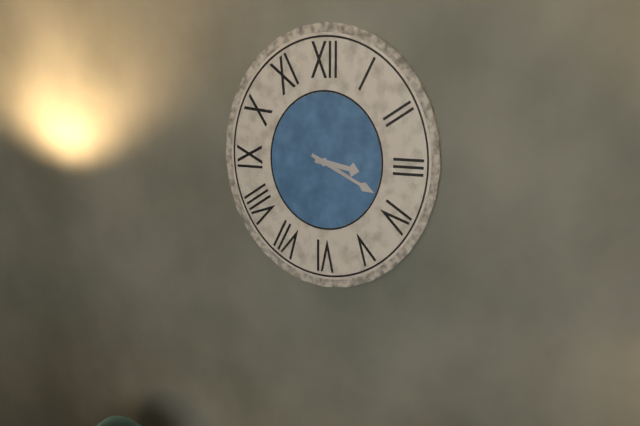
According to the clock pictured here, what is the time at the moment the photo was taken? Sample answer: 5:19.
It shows 3:19
